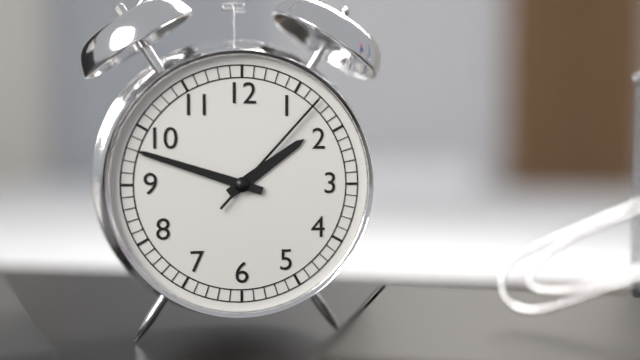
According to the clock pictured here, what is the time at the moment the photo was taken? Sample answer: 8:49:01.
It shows 1:48:07
